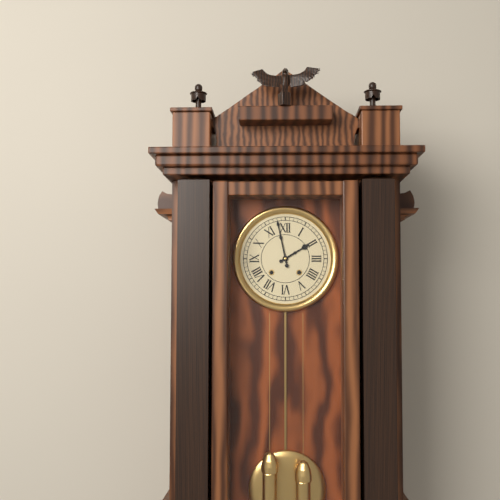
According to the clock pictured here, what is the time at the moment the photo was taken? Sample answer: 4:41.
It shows 1:58
